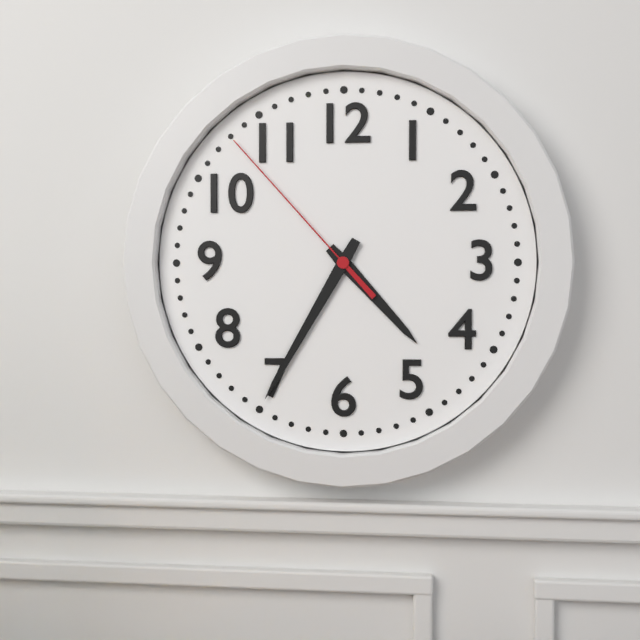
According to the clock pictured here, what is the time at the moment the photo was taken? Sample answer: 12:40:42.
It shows 4:35:53
